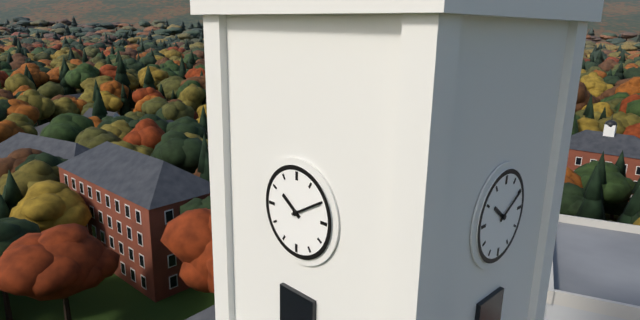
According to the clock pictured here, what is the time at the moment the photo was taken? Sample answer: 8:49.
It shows 10:10
